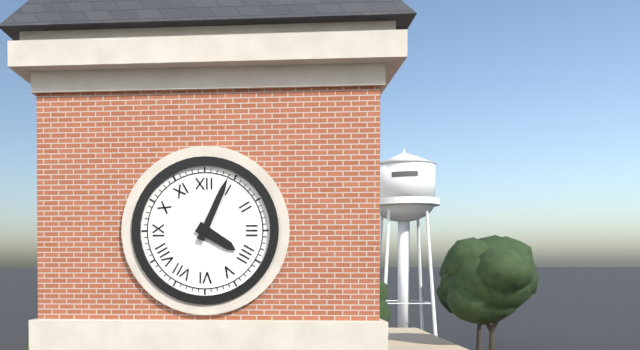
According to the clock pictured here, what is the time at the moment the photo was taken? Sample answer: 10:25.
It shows 4:04
